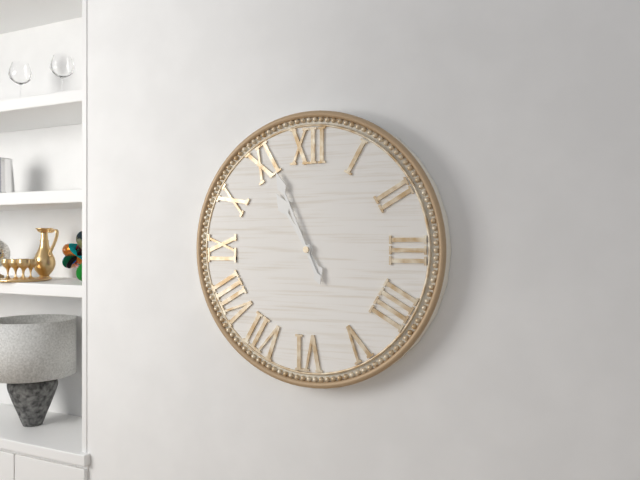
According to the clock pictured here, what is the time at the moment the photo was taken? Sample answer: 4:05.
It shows 10:56
